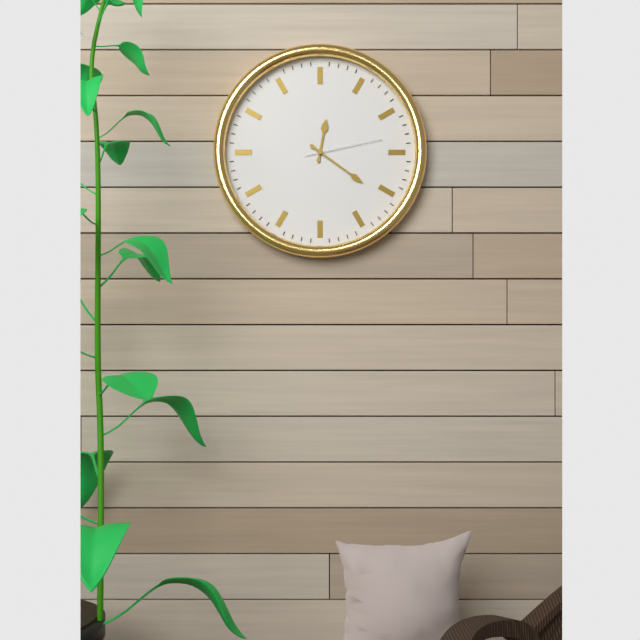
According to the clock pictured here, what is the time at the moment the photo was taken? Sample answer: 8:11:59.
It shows 12:21:13
